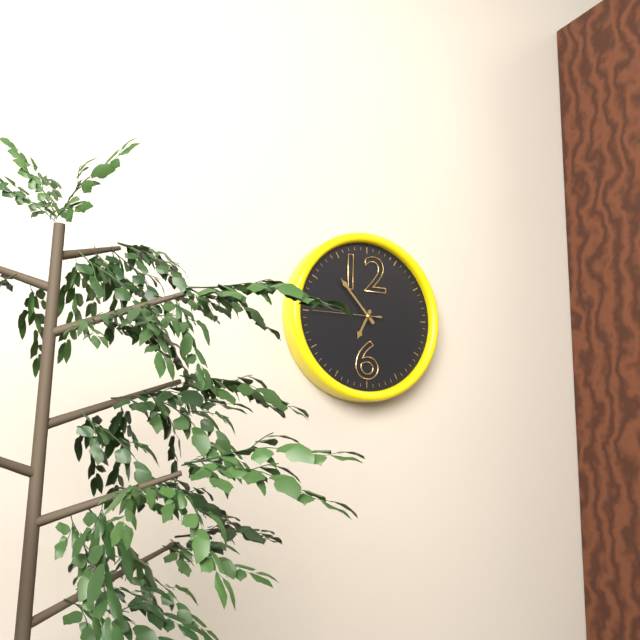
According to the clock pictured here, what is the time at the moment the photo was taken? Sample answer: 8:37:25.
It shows 6:53:45
